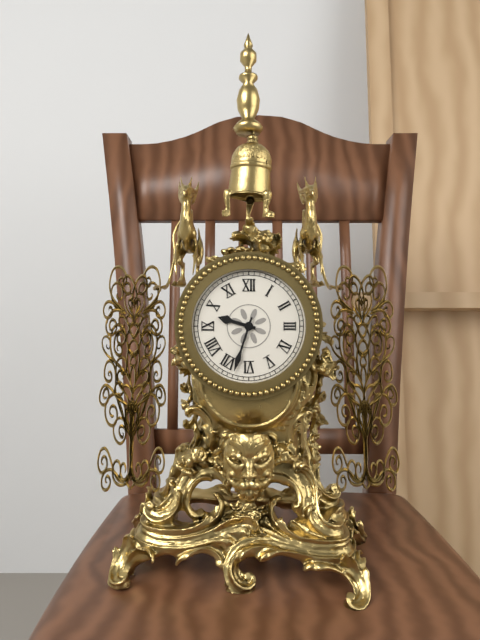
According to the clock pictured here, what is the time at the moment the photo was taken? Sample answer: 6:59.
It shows 9:33
